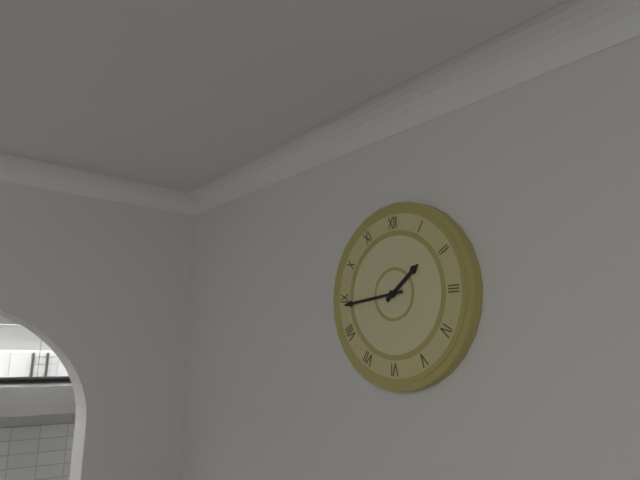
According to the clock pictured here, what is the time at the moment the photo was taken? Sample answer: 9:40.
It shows 1:44
